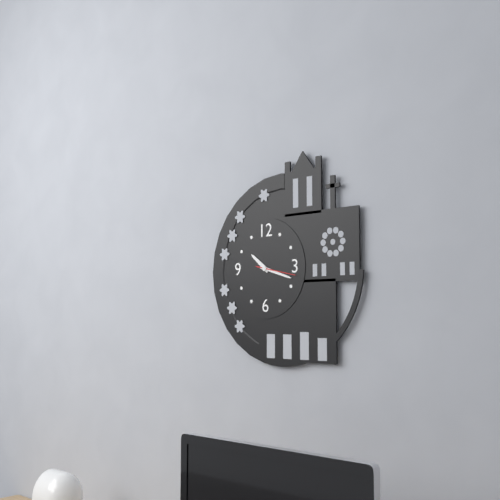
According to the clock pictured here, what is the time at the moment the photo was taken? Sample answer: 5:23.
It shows 10:18
